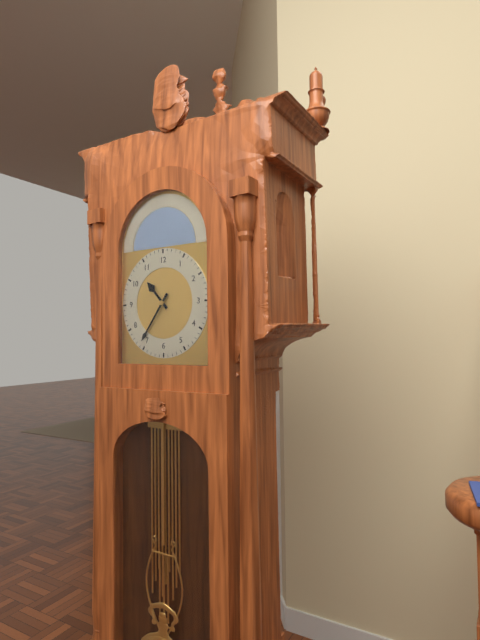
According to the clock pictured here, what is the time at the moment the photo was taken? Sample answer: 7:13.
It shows 10:36
